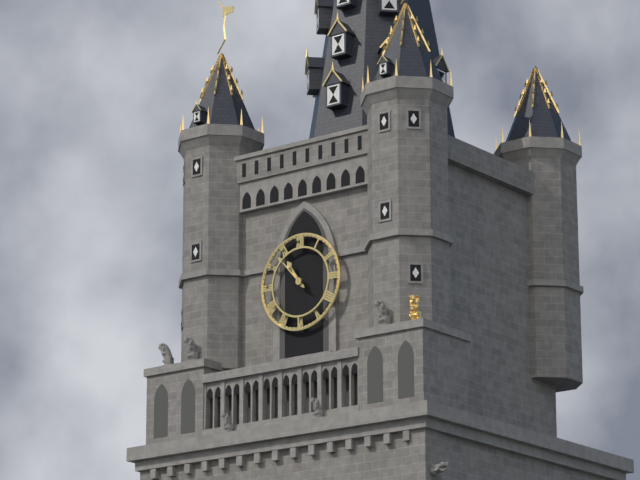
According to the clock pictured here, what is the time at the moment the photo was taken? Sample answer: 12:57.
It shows 10:53
